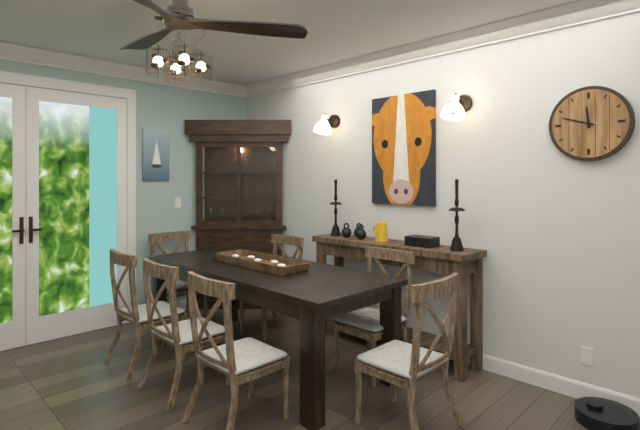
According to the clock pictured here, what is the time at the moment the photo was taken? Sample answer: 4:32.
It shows 11:48
